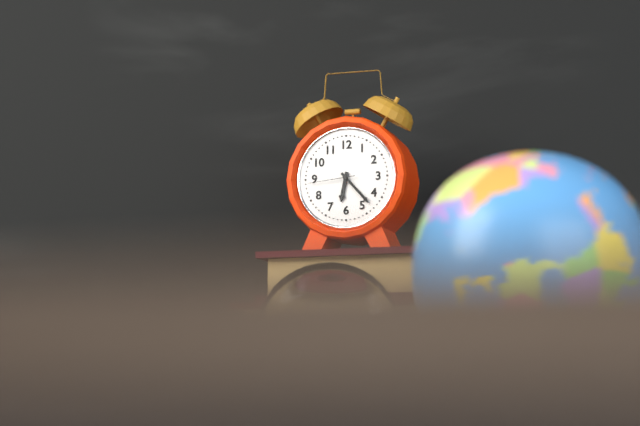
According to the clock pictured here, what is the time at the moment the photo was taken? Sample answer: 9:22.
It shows 6:23
